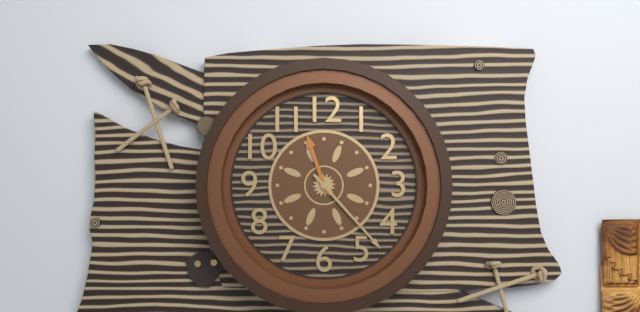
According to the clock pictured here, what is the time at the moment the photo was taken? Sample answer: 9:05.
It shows 11:23
